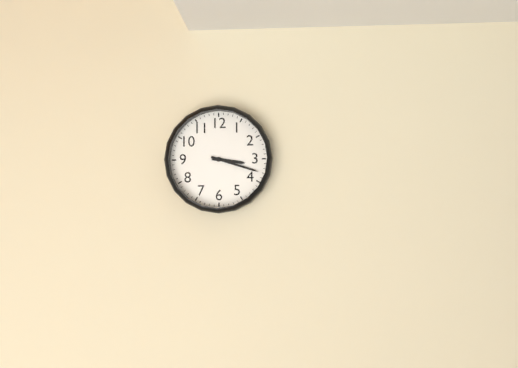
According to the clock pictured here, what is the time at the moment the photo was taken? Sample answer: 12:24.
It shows 3:18
